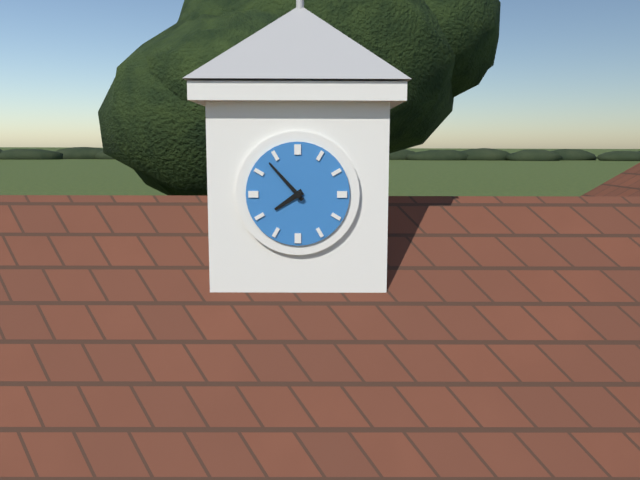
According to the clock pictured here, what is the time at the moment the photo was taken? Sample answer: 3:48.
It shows 7:53
